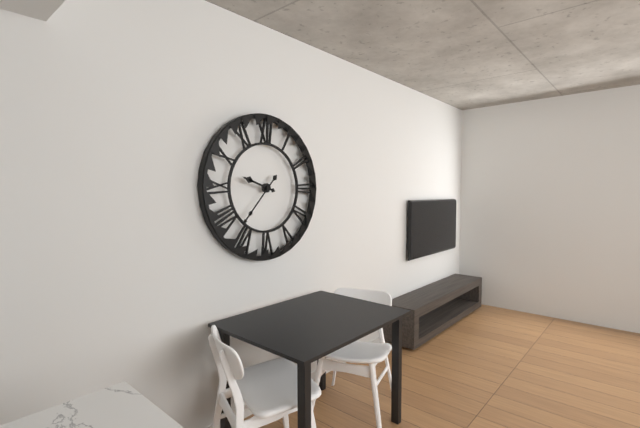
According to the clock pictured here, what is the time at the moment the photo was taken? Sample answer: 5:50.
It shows 9:37
